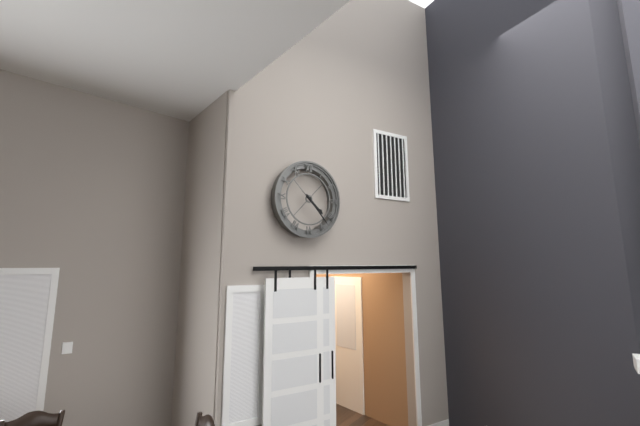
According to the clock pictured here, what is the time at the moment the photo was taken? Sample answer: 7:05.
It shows 4:23
